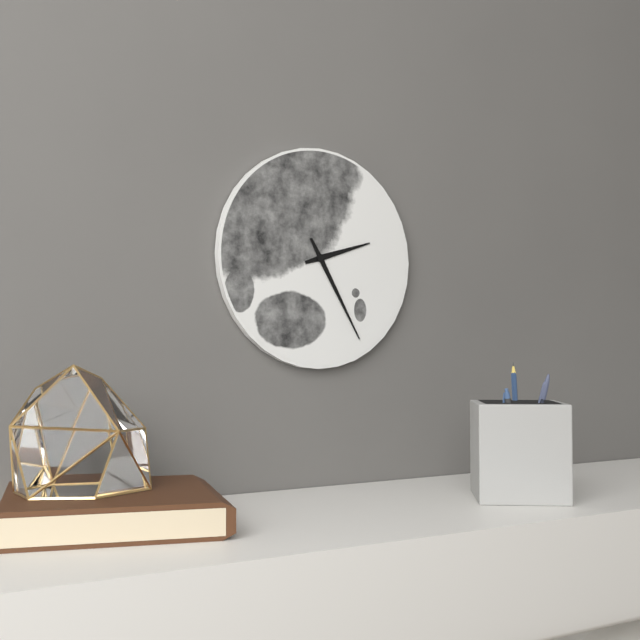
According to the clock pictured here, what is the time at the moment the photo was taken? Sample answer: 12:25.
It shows 2:25
